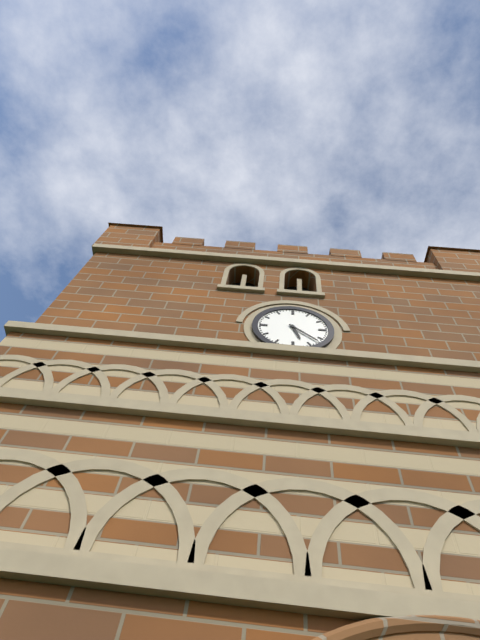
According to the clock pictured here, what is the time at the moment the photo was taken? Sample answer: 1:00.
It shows 5:22
